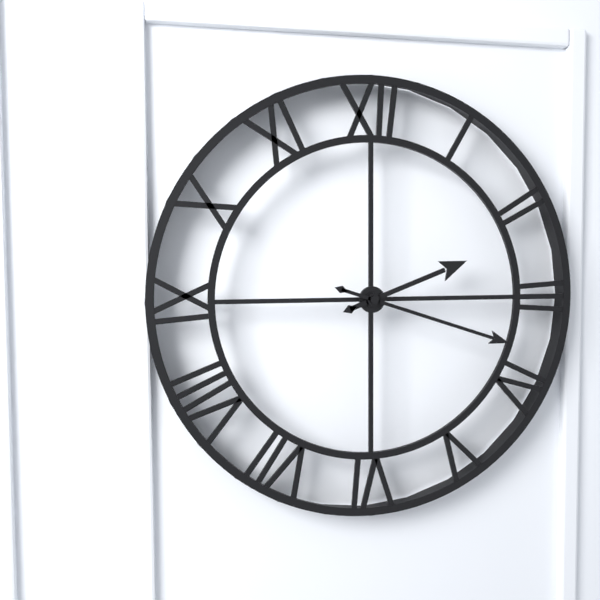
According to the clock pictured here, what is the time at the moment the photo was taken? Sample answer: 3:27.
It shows 2:18
